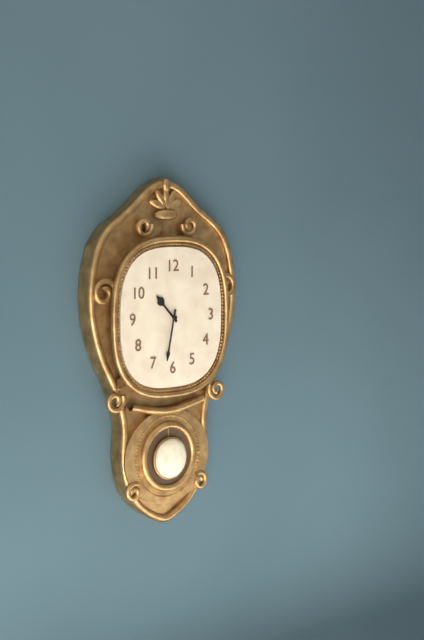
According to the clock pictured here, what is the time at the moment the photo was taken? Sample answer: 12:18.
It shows 10:32
